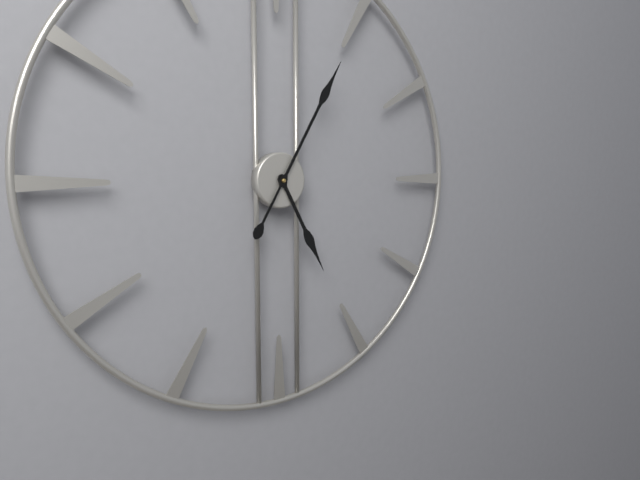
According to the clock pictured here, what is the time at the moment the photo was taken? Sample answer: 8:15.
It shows 5:05
